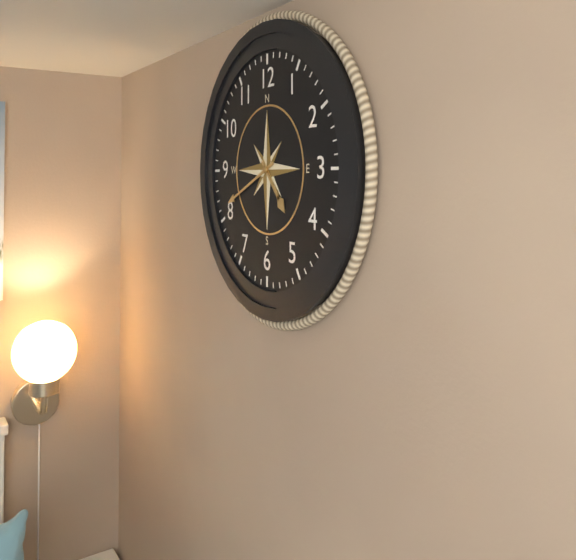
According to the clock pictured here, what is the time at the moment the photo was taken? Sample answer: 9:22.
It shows 4:41
